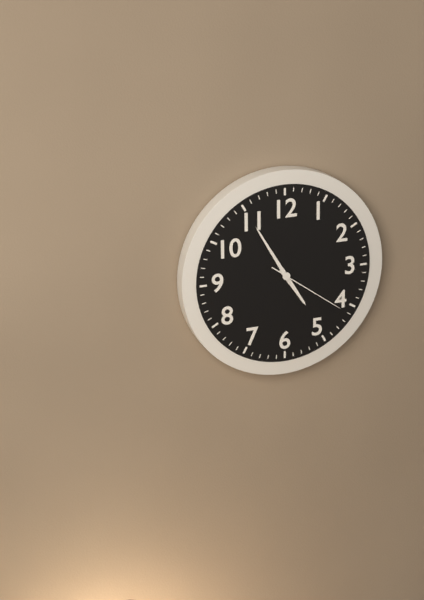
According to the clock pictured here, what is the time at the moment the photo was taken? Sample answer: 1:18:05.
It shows 4:55:21
